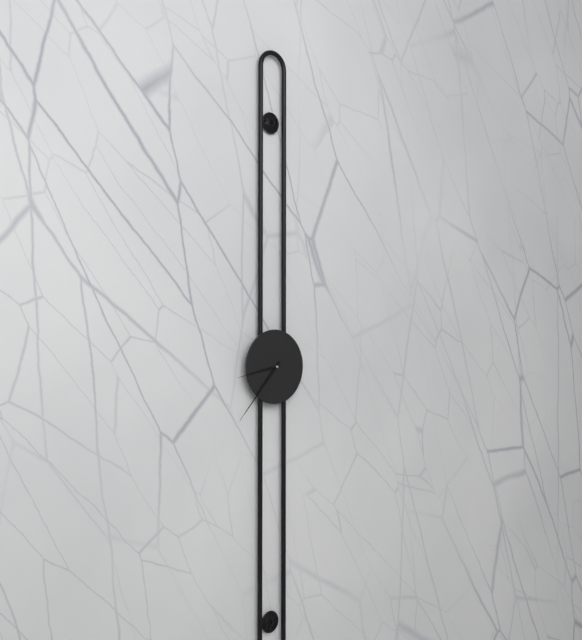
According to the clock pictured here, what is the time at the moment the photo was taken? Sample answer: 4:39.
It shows 8:37
